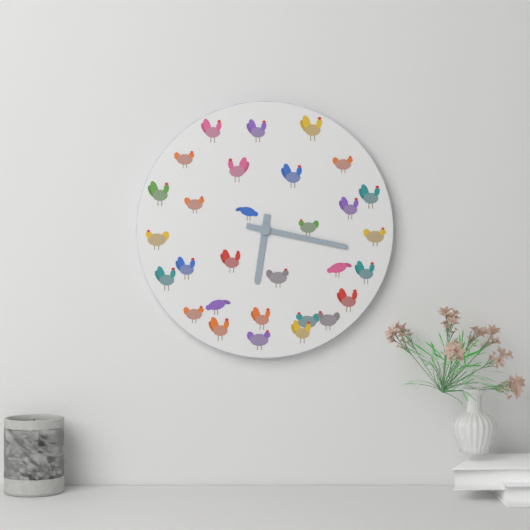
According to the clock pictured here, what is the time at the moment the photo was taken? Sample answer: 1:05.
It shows 6:17
